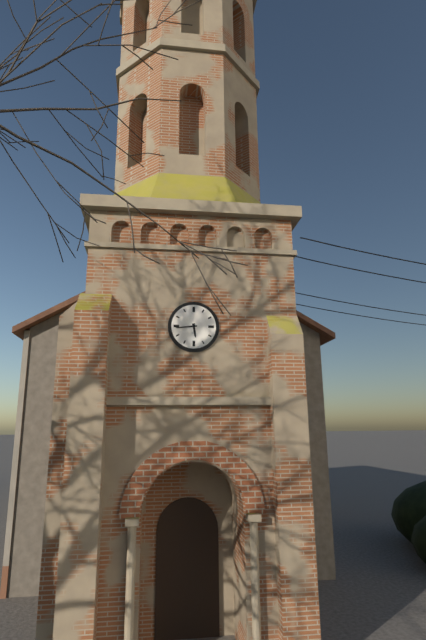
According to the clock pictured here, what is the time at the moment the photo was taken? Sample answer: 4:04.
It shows 5:44
